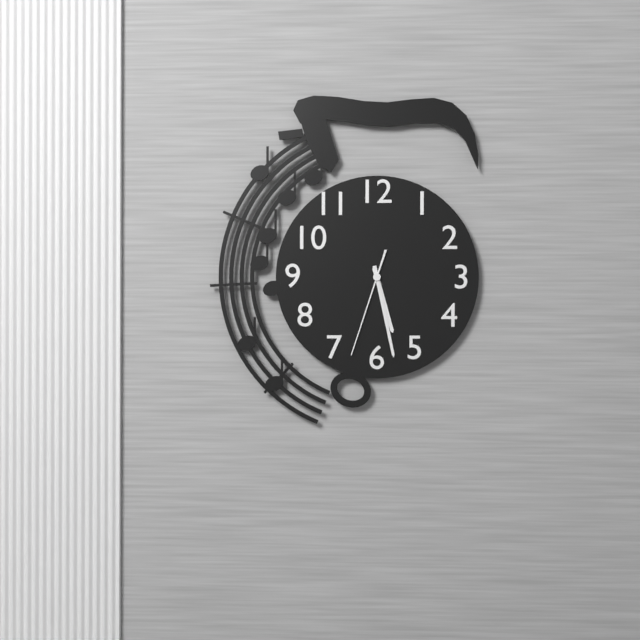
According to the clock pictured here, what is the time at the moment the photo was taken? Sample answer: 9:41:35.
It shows 5:28:33
